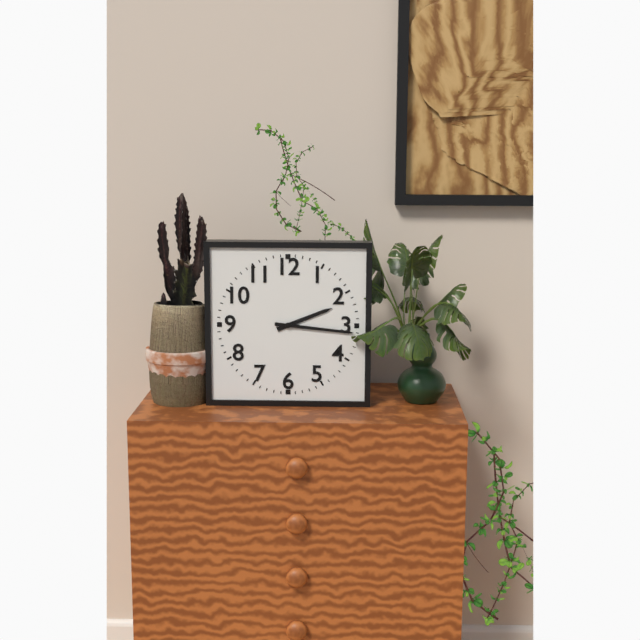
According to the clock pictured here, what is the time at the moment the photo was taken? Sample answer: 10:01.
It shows 2:16
